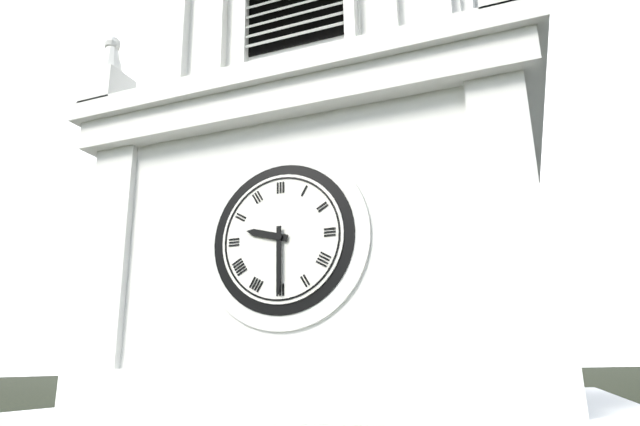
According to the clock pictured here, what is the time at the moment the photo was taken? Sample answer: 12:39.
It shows 9:30
